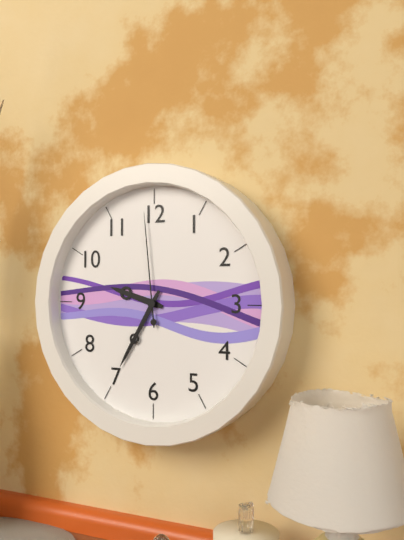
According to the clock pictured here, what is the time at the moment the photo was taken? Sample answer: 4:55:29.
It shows 9:35:59
